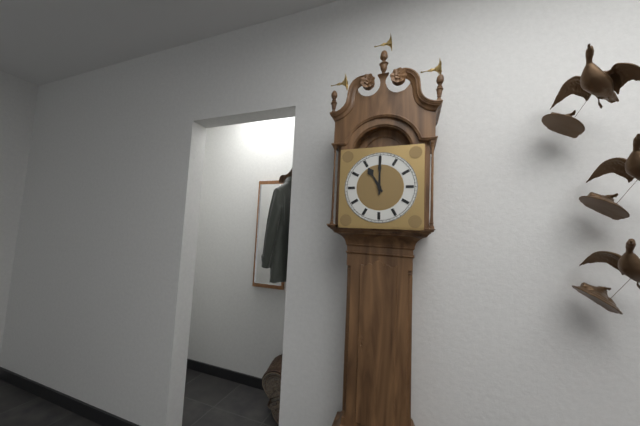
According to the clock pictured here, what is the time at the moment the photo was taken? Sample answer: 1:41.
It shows 11:00
